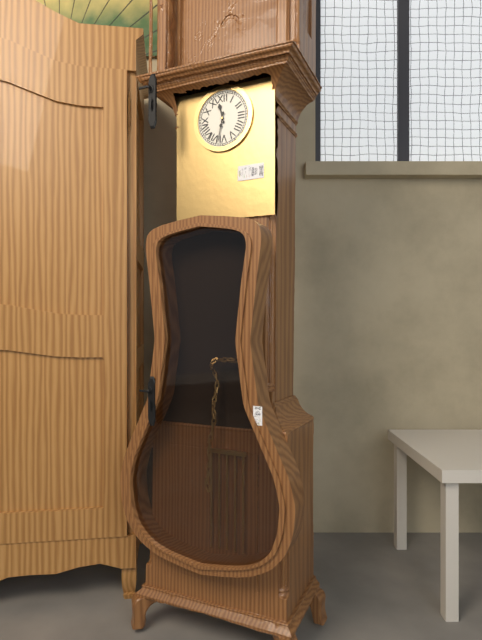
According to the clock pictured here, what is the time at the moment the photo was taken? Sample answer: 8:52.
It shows 11:32
